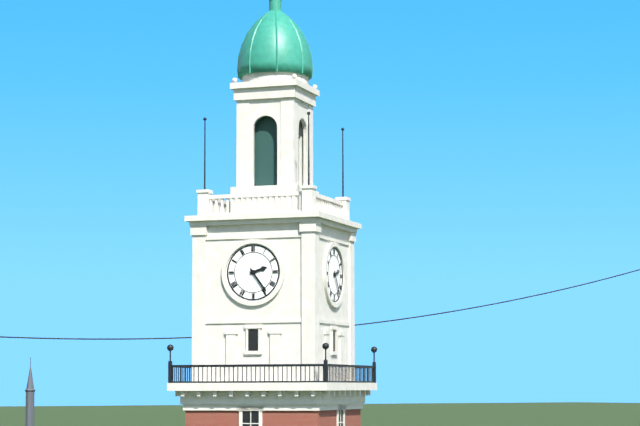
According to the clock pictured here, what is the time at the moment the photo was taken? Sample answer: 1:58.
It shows 2:24
